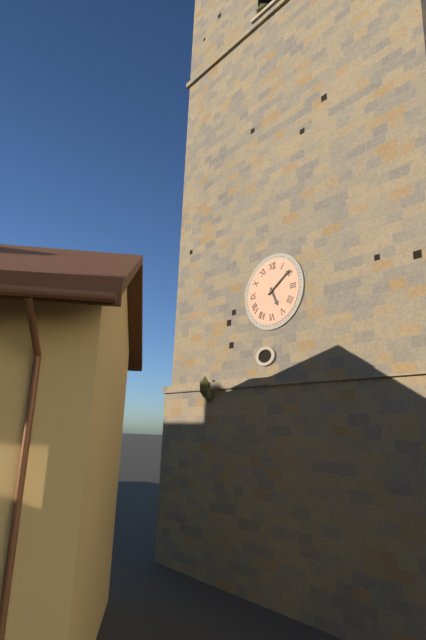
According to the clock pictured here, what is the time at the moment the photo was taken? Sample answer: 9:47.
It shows 5:09
